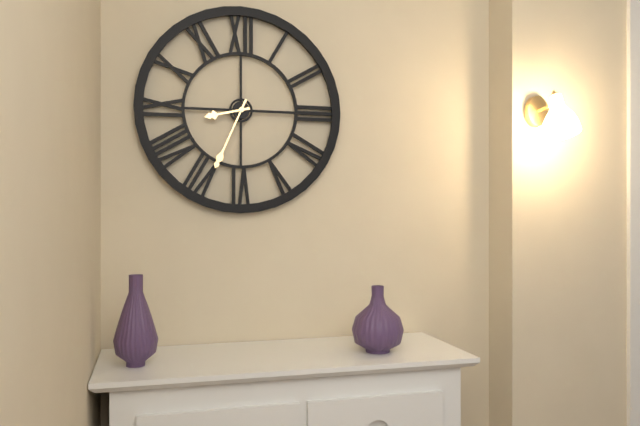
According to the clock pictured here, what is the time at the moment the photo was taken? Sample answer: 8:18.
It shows 8:34
